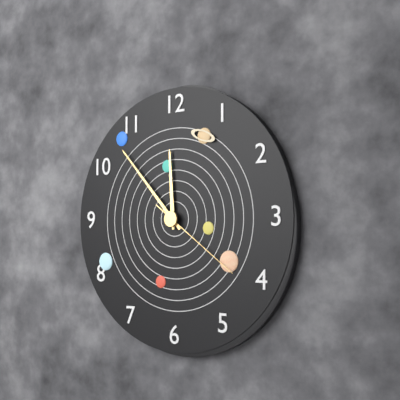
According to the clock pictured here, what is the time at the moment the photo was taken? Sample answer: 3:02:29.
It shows 11:53:21
